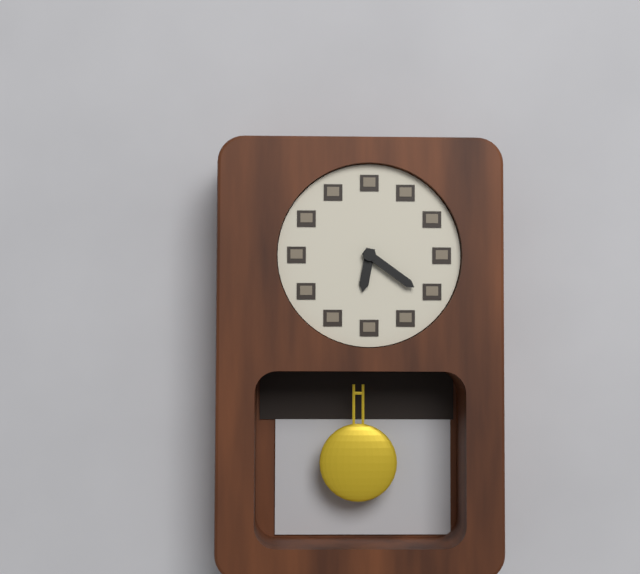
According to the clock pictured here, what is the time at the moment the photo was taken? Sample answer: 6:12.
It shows 6:21
